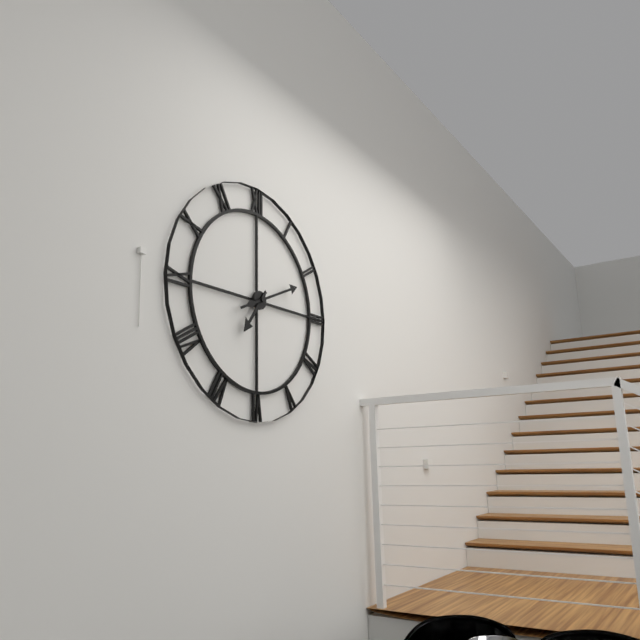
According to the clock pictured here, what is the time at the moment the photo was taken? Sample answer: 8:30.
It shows 7:11
